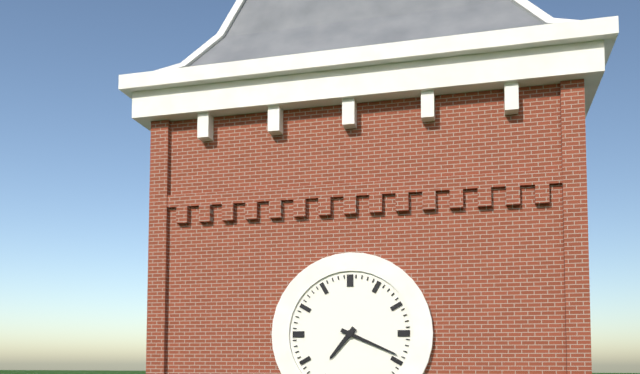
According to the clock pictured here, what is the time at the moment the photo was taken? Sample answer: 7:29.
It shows 7:19
